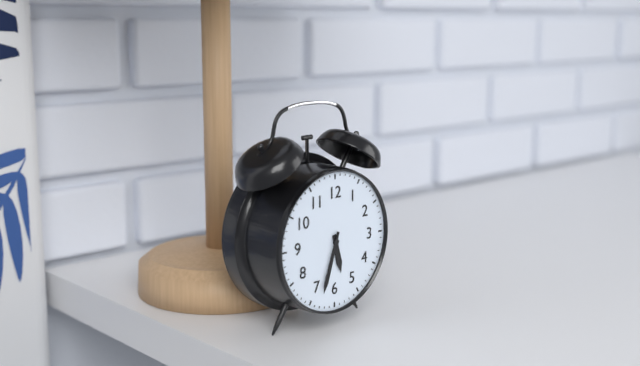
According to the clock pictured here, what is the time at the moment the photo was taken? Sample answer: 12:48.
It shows 5:33
